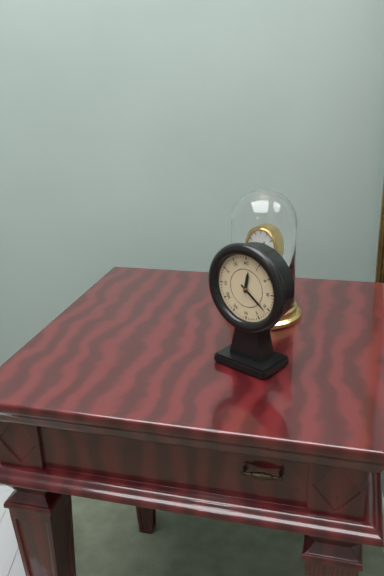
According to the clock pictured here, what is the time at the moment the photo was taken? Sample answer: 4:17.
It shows 12:21
